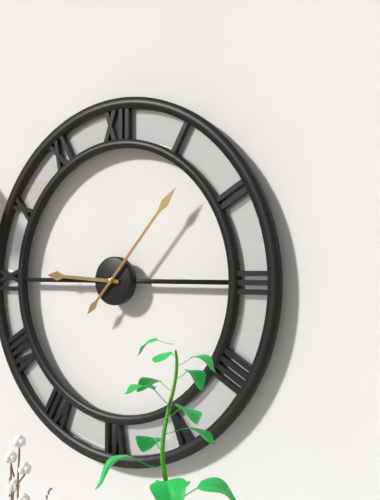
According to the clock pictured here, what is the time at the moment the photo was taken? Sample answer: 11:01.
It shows 9:07
